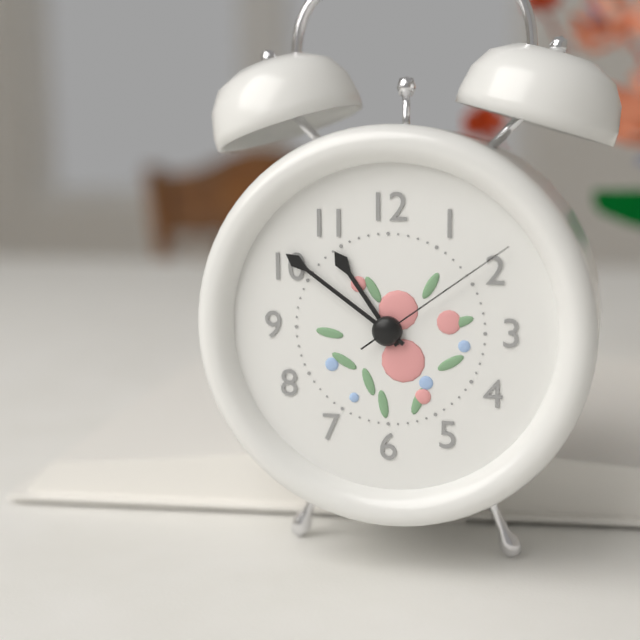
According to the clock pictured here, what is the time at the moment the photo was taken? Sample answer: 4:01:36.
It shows 10:51:09
